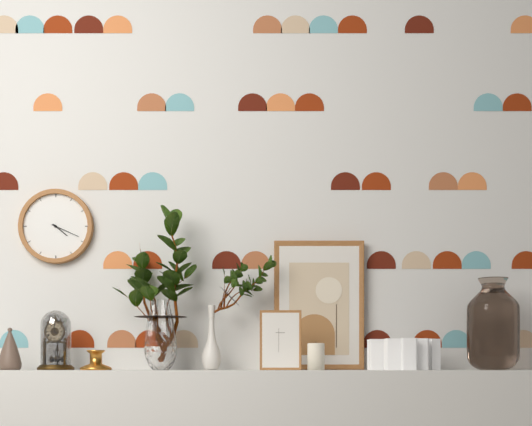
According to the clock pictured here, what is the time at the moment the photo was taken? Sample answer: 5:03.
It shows 4:19
